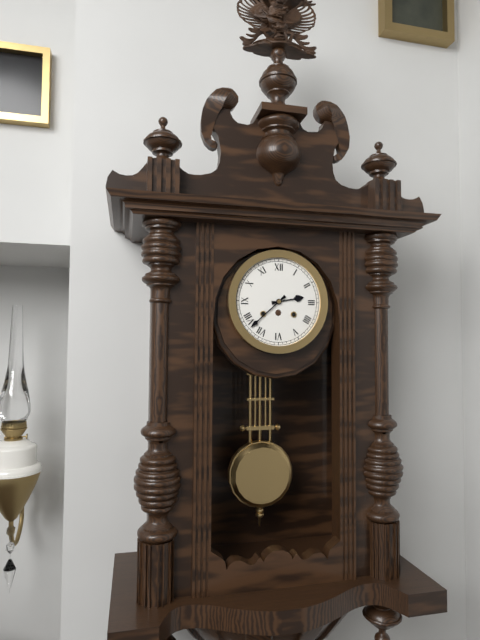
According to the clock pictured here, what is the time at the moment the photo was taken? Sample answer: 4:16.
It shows 2:38
